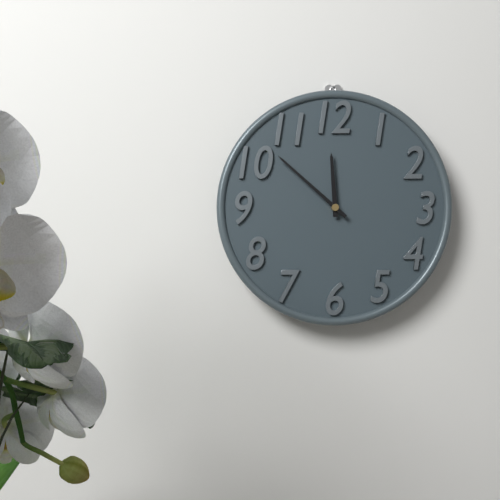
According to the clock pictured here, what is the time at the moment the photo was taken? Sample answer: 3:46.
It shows 11:52
